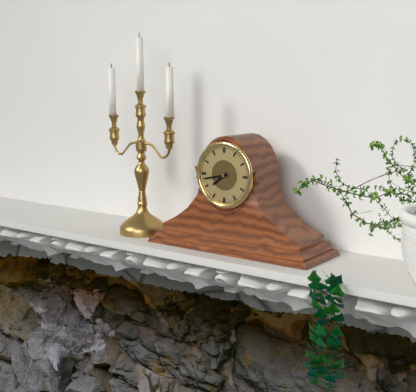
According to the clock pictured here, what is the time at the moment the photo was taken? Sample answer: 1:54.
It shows 7:43
